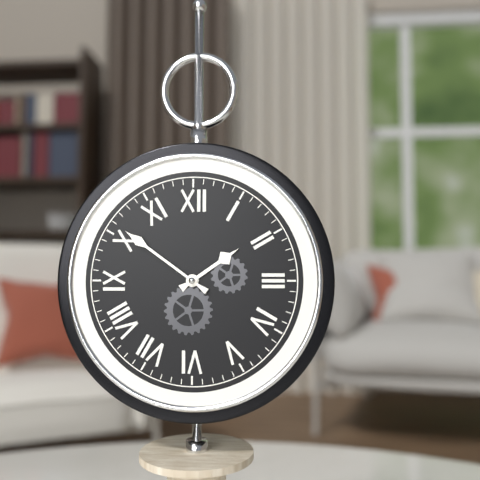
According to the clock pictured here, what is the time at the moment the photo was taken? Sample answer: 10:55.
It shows 1:51
